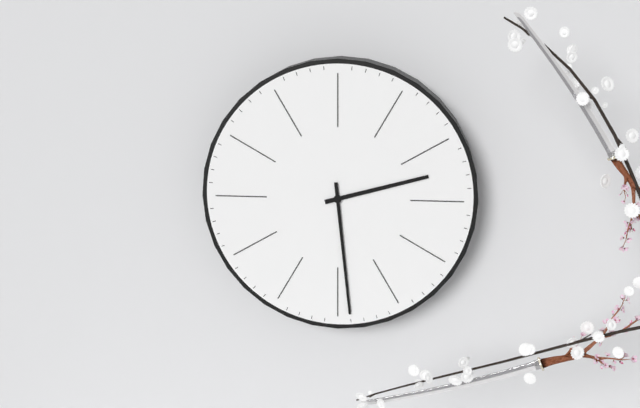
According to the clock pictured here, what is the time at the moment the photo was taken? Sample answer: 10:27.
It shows 2:29
